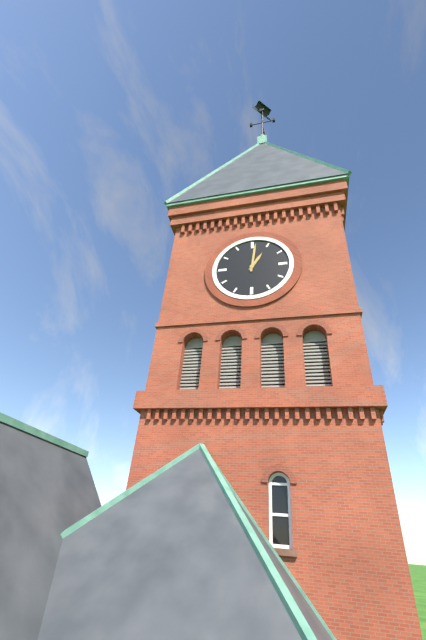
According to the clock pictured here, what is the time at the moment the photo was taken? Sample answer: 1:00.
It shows 1:01
